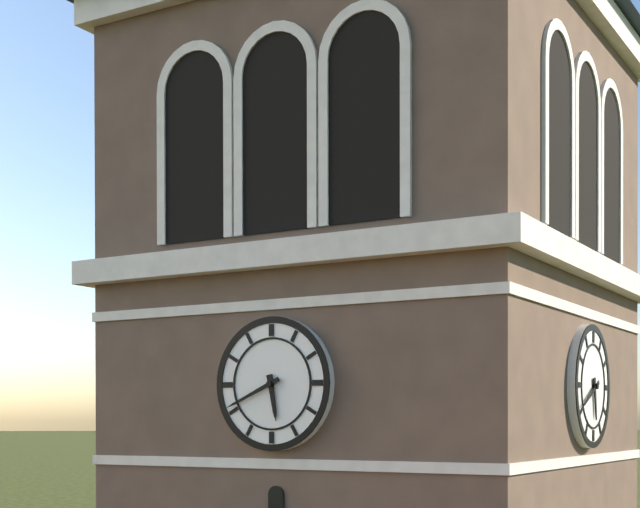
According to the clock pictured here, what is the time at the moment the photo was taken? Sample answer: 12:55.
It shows 5:41
